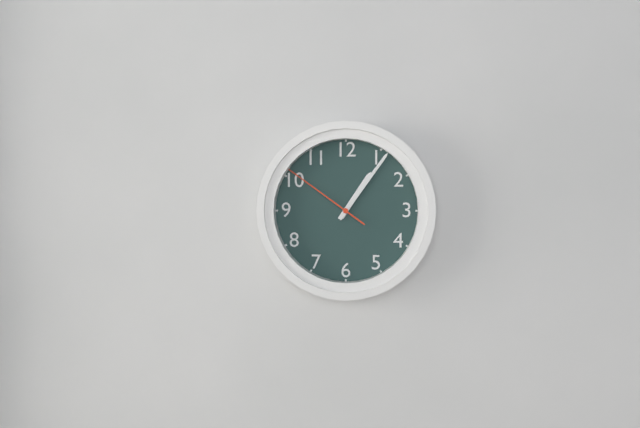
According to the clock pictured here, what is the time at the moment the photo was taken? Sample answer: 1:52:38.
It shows 1:06:51
